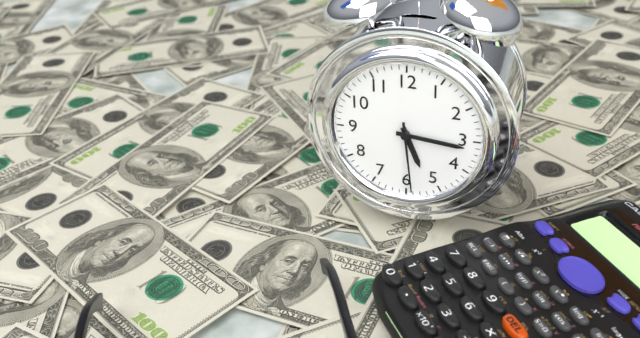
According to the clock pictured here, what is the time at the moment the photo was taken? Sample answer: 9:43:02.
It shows 5:16:29
